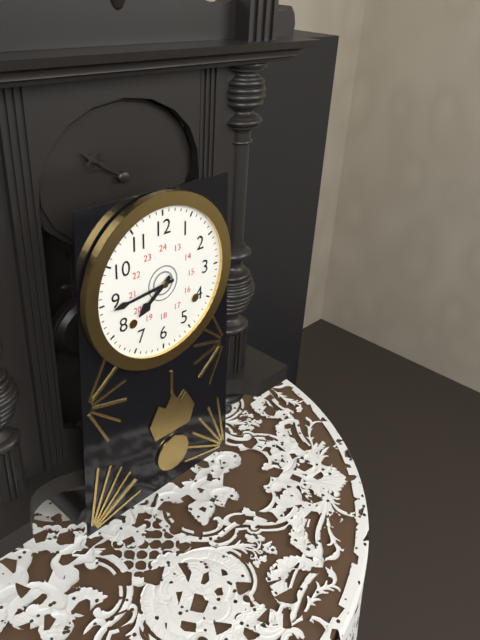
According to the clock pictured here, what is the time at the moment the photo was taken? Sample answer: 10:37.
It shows 7:44
